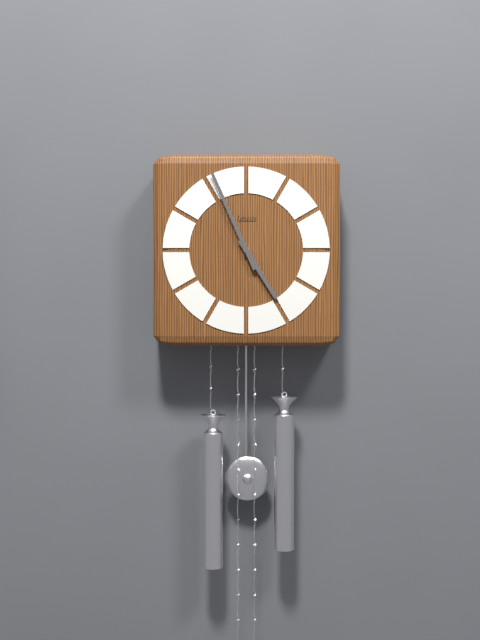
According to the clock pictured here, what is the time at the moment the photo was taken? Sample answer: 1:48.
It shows 4:56
